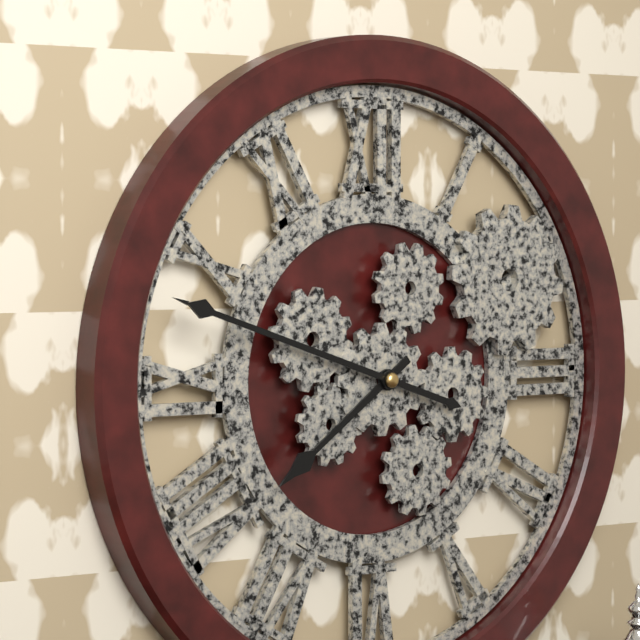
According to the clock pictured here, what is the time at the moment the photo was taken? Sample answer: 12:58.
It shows 7:48
